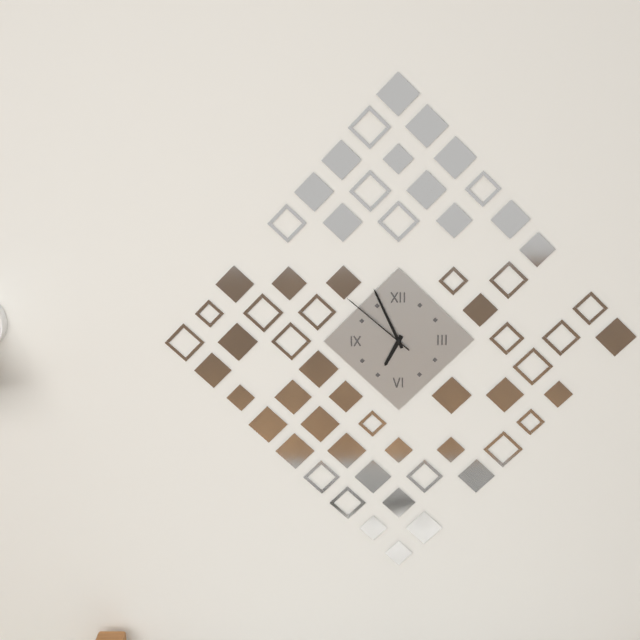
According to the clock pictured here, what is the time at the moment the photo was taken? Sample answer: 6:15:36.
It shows 6:56:52
